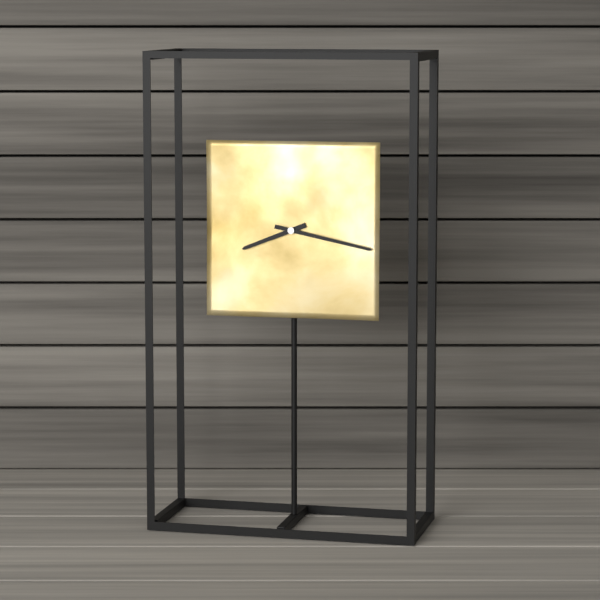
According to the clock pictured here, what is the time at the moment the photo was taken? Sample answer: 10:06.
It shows 8:17
